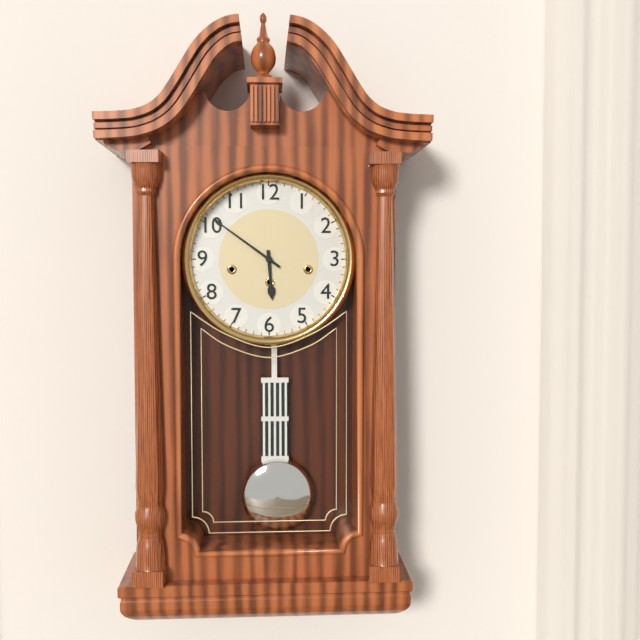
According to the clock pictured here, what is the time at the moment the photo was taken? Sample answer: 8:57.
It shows 5:51
